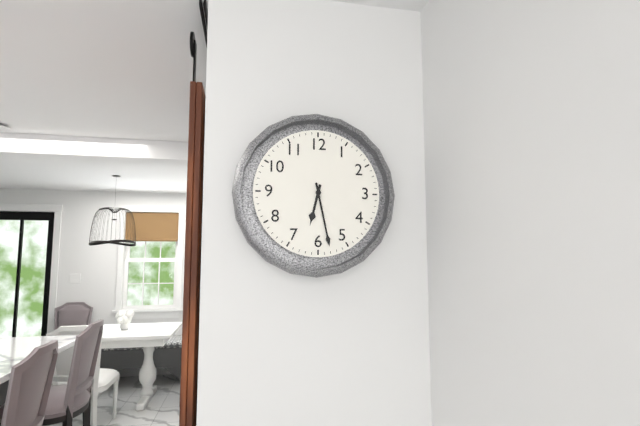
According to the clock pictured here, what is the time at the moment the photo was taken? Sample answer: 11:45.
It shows 6:28
